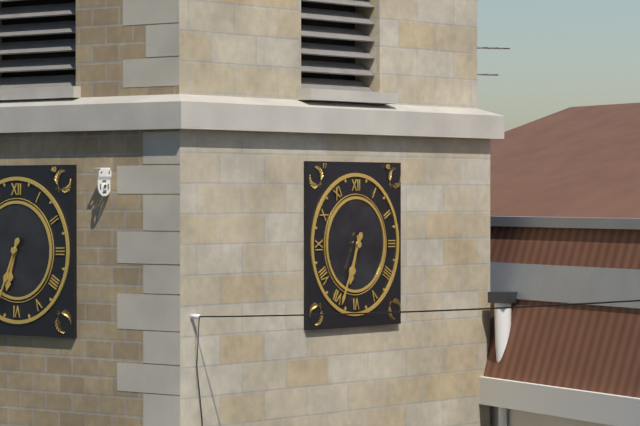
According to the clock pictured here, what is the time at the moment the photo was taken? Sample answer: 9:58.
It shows 6:34
